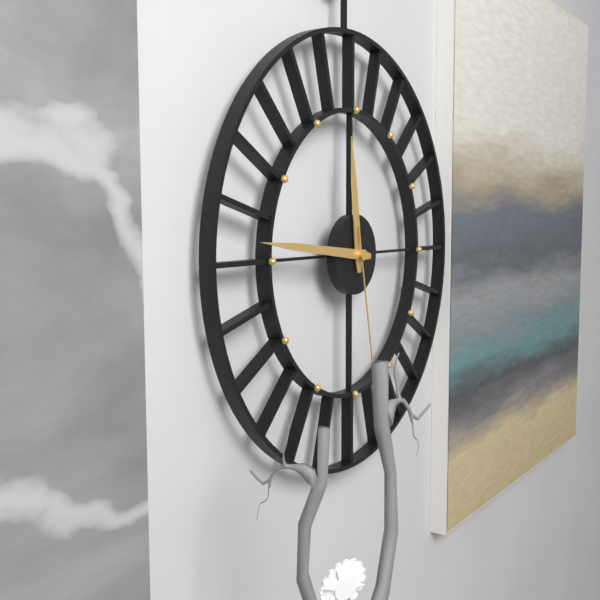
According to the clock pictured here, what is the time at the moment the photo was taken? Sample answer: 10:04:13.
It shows 11:46:28
